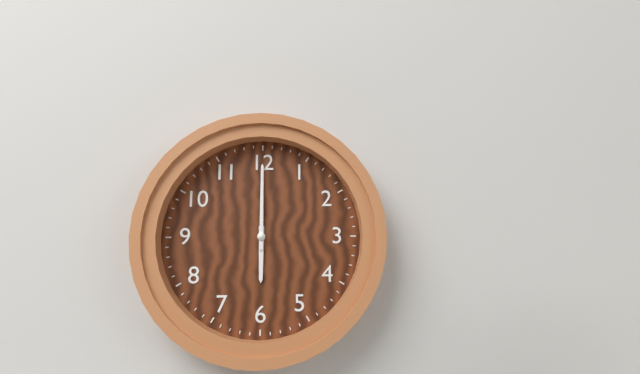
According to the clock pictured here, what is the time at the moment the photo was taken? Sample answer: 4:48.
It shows 6:00
